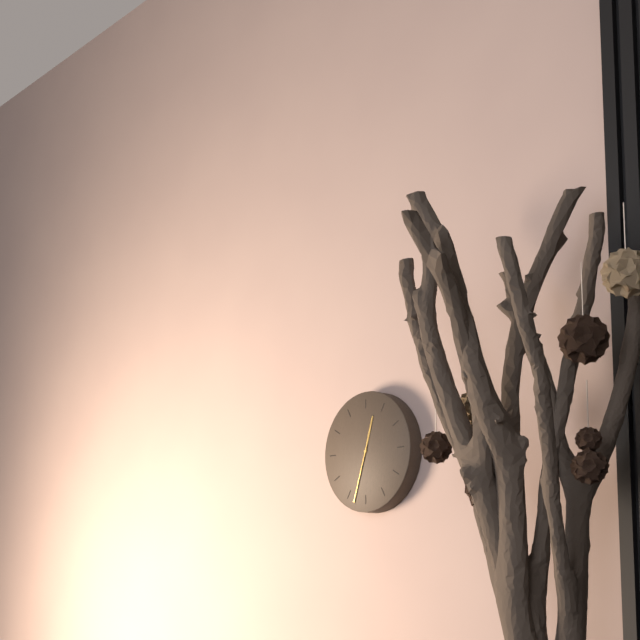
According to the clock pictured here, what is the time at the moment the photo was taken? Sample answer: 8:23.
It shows 12:33
